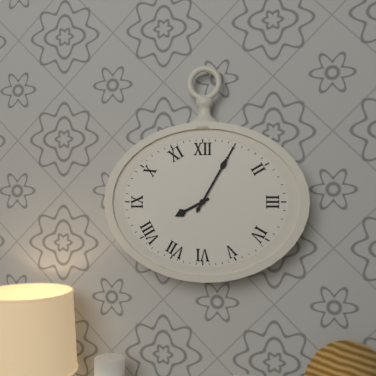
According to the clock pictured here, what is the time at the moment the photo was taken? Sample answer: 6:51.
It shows 8:05
